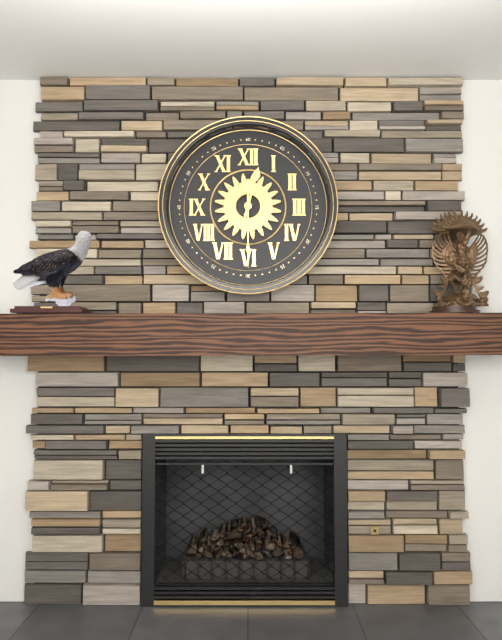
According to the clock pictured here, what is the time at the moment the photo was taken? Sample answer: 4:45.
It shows 12:30
